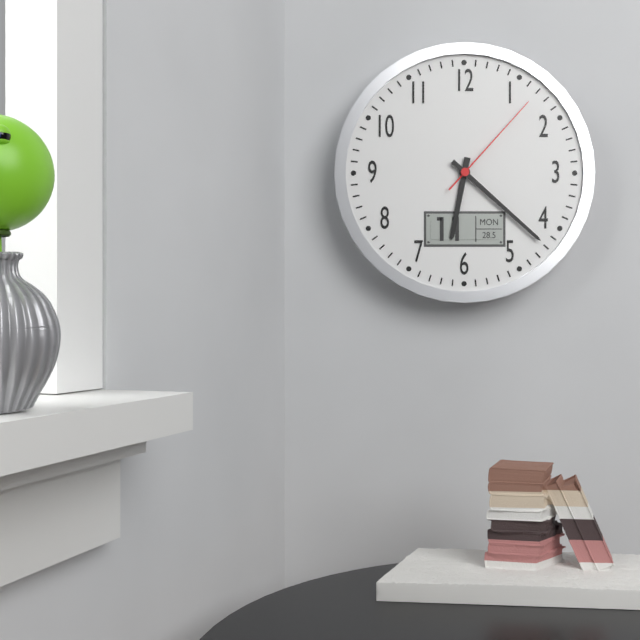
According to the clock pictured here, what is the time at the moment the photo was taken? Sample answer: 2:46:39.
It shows 6:22:07
